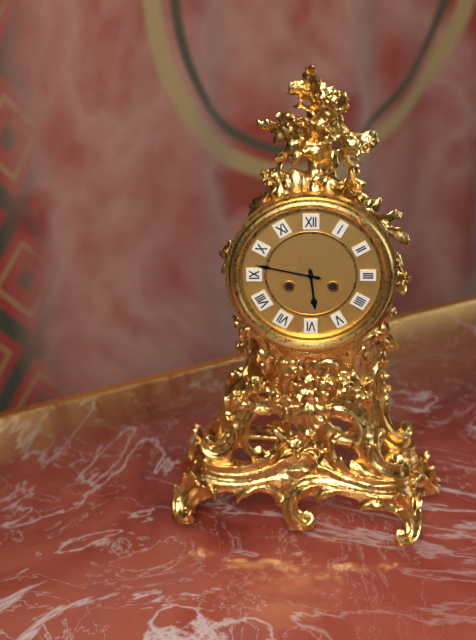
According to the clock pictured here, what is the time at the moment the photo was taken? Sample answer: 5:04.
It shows 5:47
